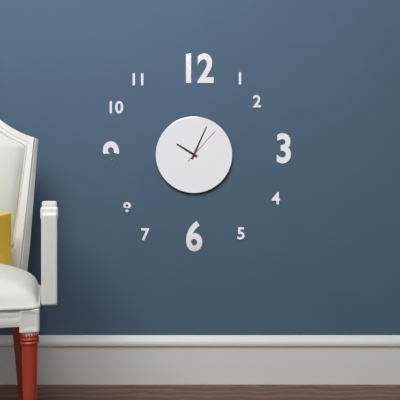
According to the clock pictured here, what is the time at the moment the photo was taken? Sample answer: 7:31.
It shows 10:04
